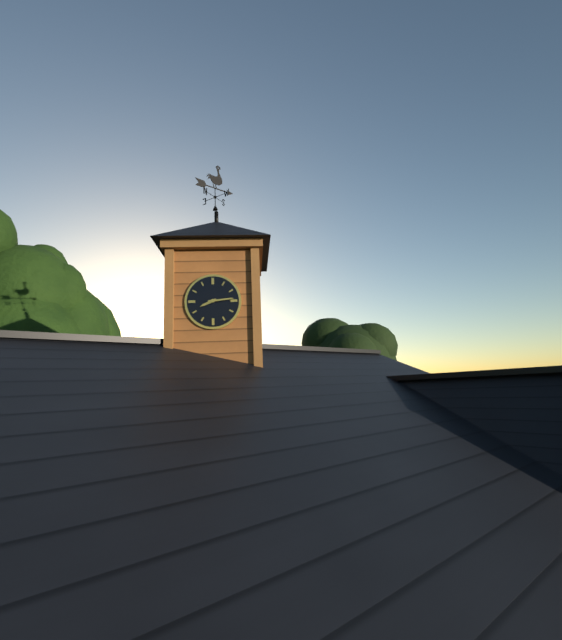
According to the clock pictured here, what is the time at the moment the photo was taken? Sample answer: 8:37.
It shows 8:14
